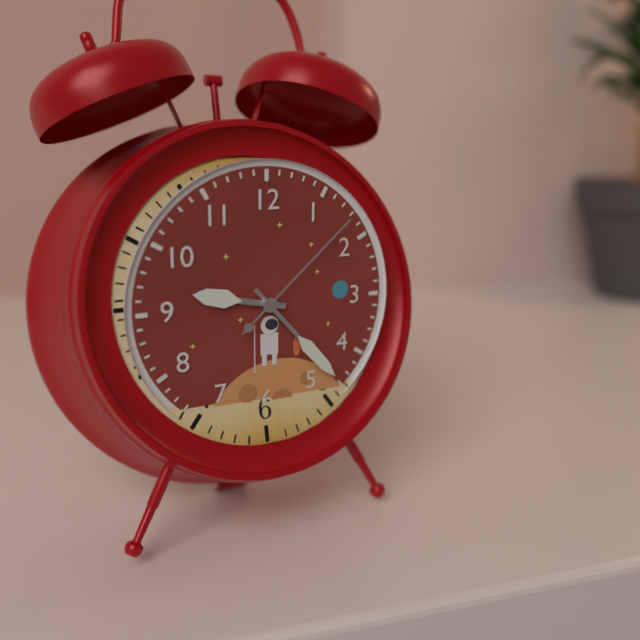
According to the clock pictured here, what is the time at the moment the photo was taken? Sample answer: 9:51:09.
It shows 9:23:08
